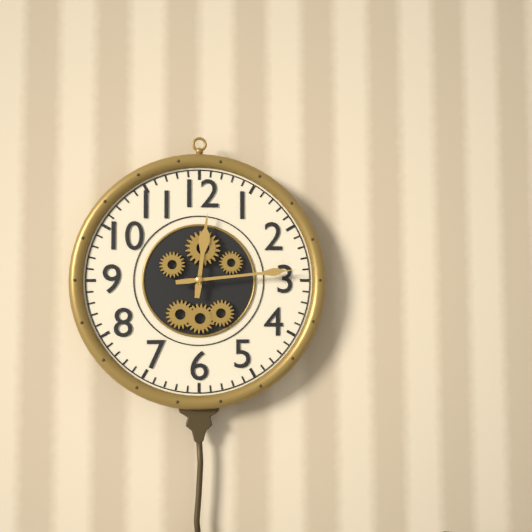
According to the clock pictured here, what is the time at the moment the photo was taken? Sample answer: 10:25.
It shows 12:14
